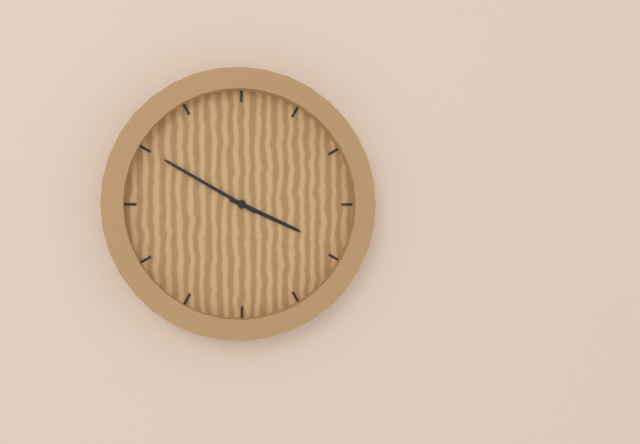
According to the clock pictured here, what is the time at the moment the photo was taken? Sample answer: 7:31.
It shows 3:50
